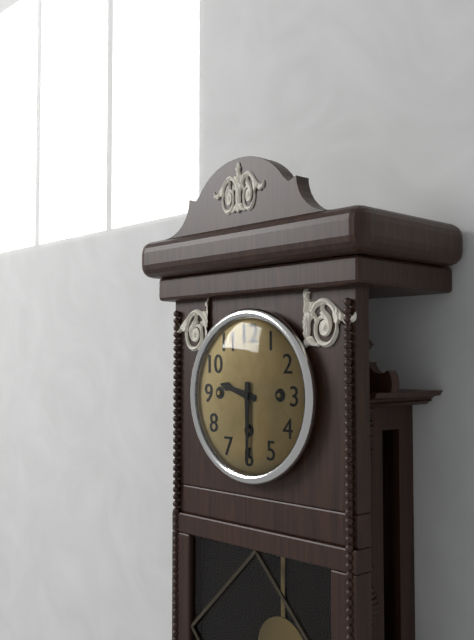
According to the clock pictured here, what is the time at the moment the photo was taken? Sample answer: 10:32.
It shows 9:30
